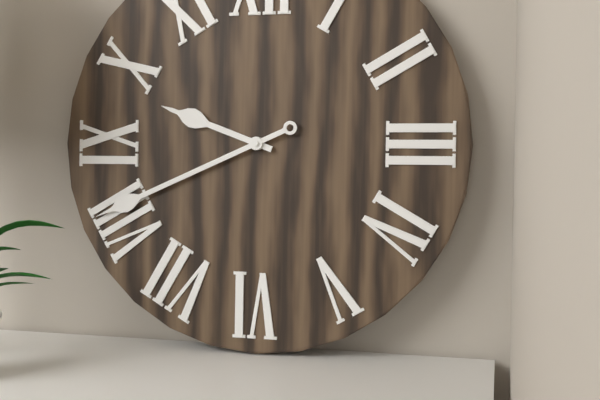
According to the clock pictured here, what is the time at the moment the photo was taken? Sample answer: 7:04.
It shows 9:41
